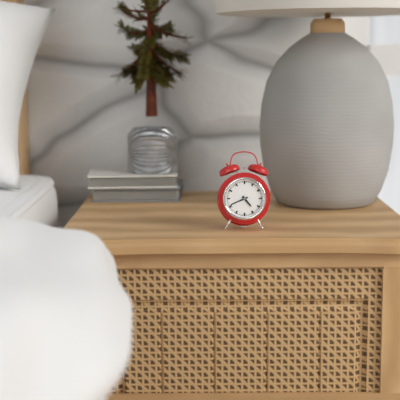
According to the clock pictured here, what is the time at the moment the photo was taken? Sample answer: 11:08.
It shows 4:41
